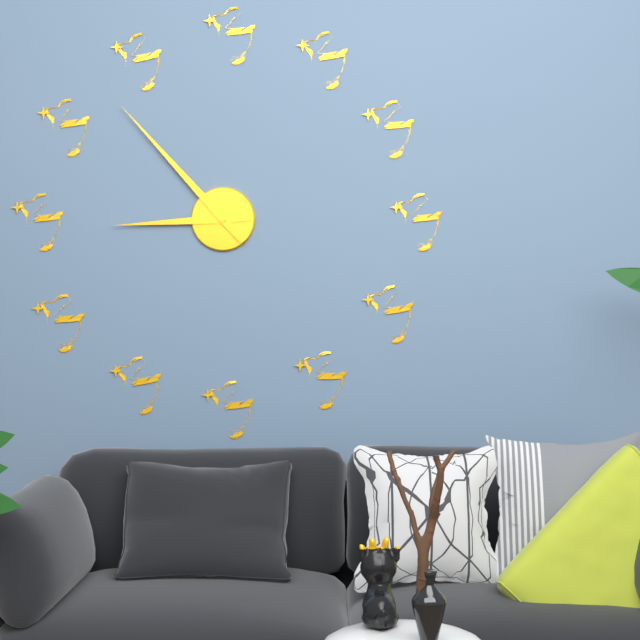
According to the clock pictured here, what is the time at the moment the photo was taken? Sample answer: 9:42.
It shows 8:53
